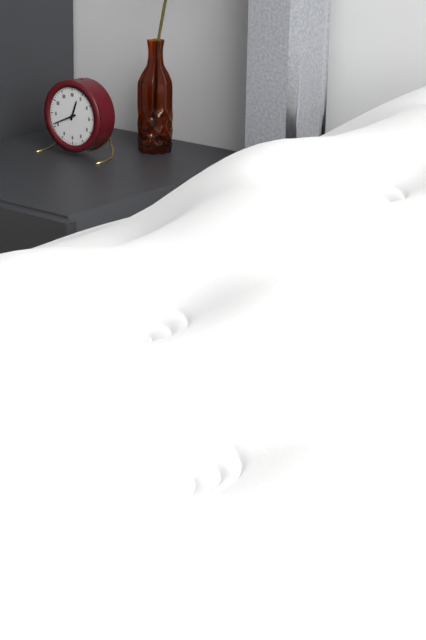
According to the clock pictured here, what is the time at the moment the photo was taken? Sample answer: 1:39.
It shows 12:41
